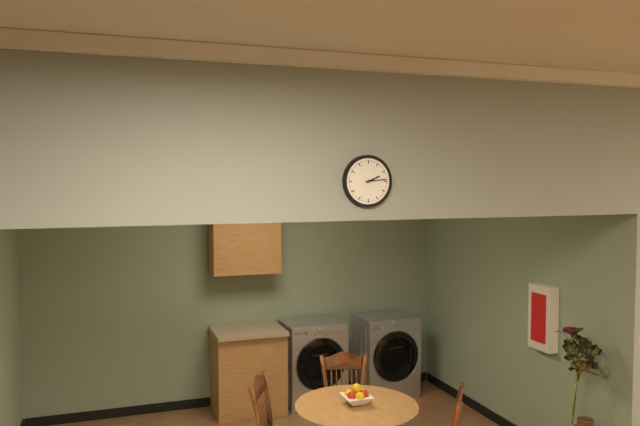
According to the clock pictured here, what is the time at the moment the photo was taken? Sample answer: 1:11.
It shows 2:14
